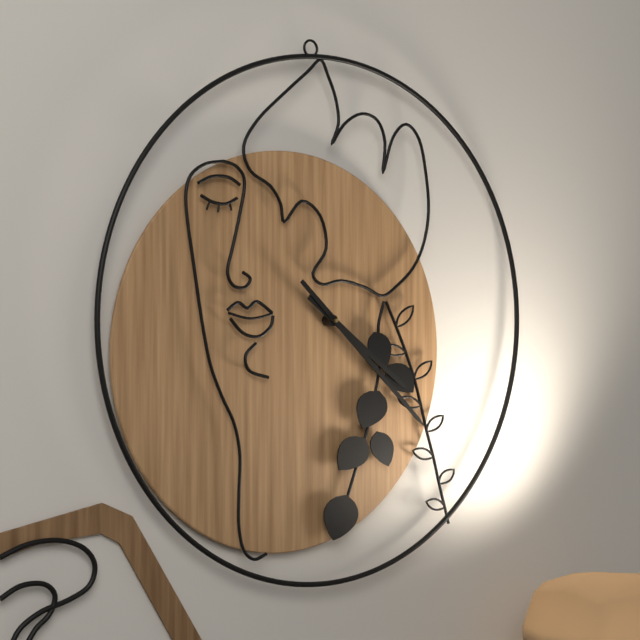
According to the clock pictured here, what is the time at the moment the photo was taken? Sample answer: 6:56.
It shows 4:23
